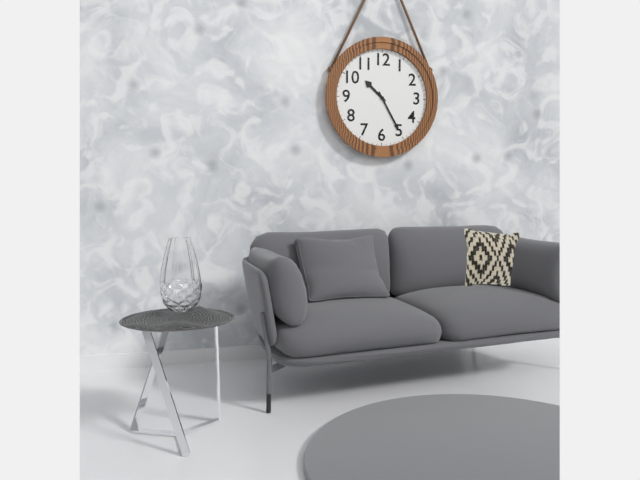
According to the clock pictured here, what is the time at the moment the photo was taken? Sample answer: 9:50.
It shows 10:25
